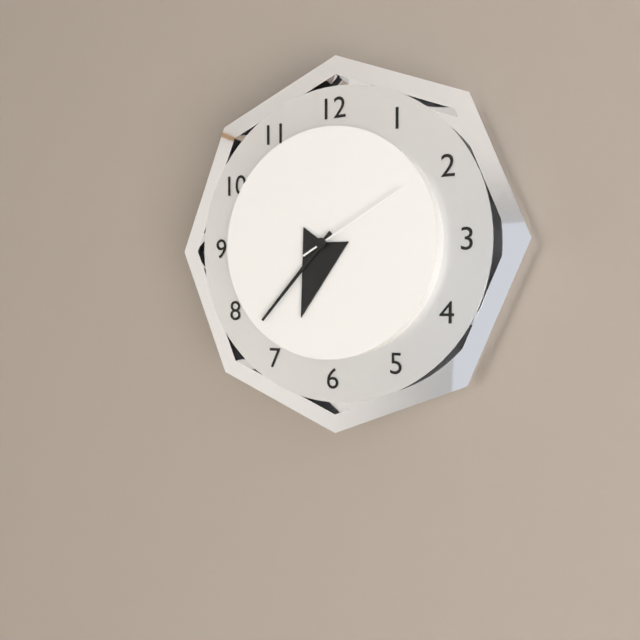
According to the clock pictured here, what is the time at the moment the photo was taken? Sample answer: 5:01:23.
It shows 6:37:10
